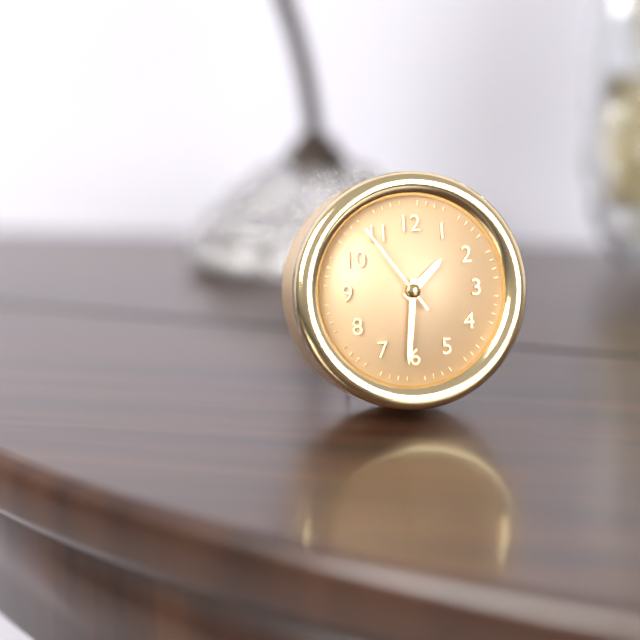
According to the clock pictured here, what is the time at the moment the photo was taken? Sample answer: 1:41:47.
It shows 1:31:54
